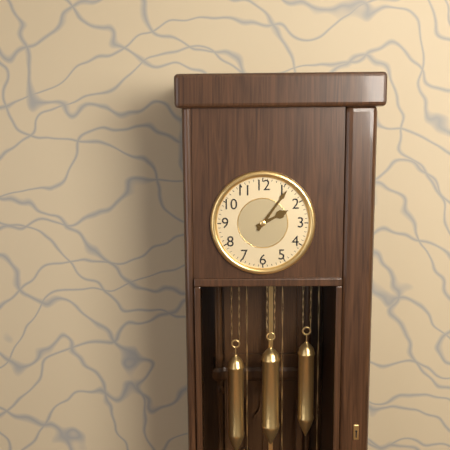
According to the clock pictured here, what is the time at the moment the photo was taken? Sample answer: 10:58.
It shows 2:06
